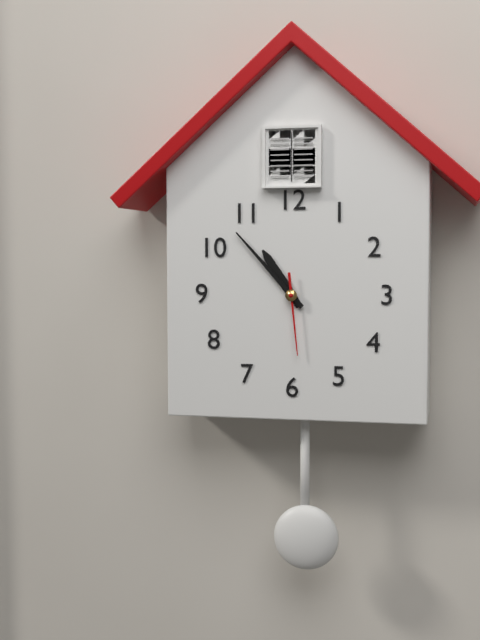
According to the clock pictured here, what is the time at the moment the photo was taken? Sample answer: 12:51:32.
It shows 10:53:29
